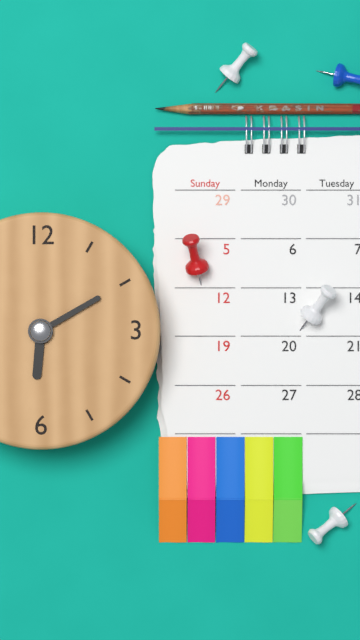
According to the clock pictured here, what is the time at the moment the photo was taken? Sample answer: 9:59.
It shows 6:10
